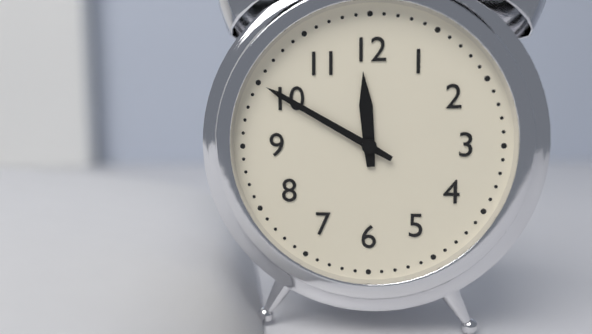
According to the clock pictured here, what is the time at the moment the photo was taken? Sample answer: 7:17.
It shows 11:50
